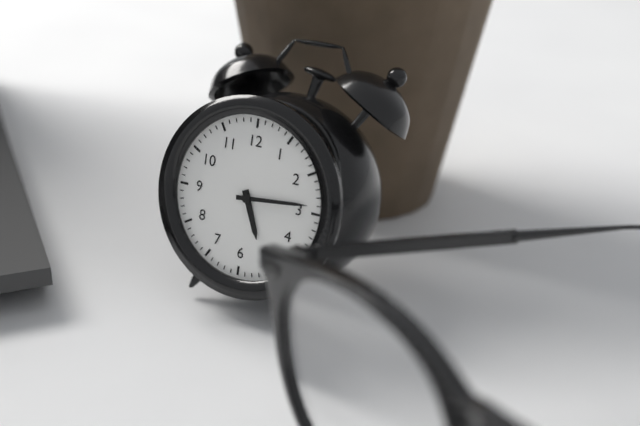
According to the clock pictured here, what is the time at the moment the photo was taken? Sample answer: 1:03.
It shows 5:14
